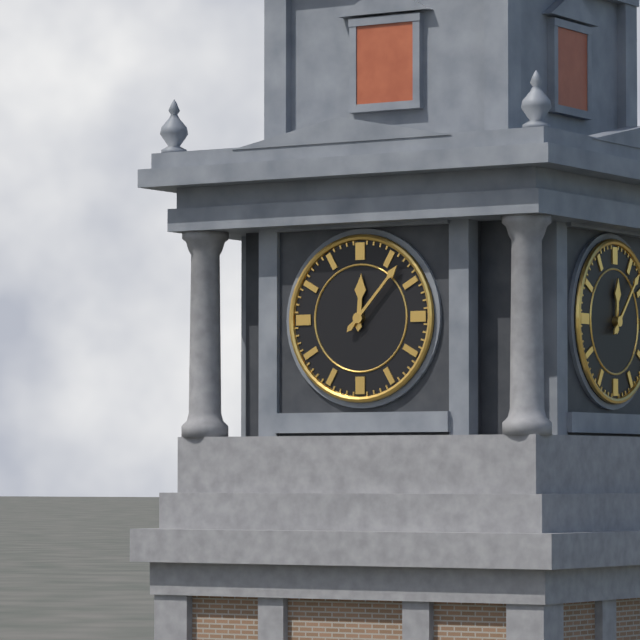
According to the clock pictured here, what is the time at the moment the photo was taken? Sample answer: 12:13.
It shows 12:07
